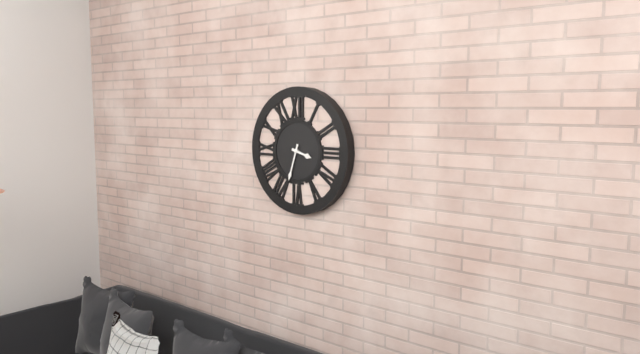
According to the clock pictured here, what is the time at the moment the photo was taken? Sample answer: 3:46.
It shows 3:33
